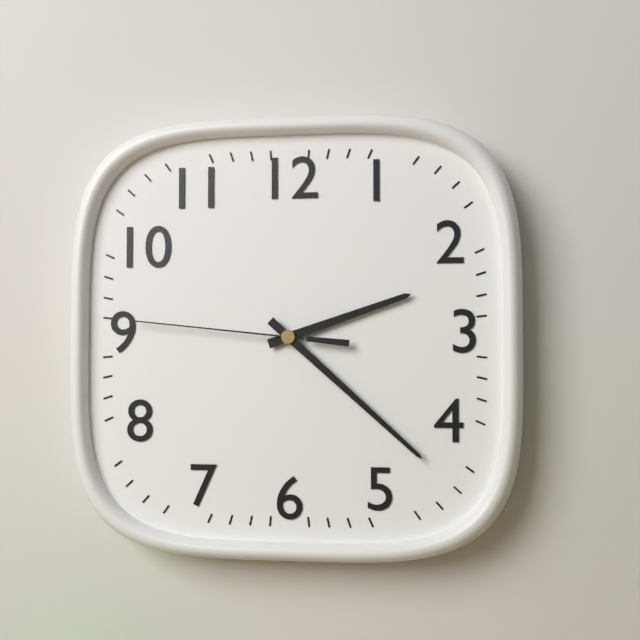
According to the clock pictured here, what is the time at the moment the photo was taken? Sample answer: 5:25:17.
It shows 2:22:46
